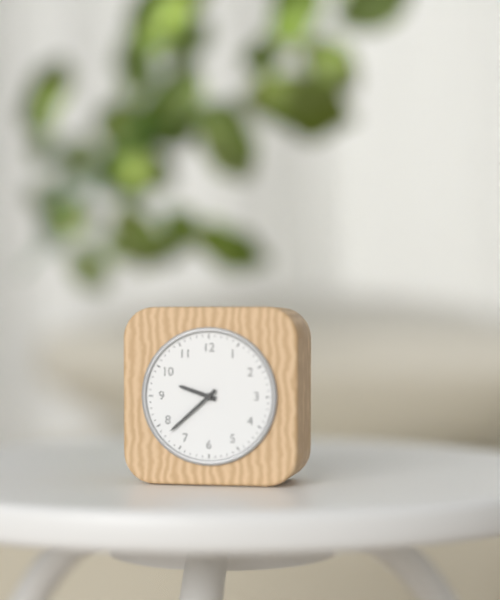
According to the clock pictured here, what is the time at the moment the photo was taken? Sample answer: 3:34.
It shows 9:38
